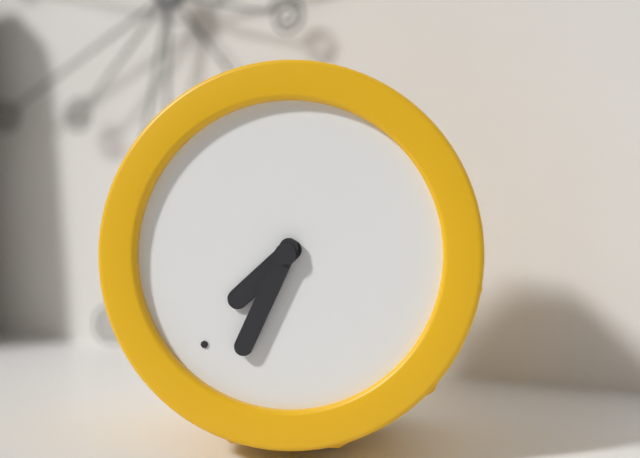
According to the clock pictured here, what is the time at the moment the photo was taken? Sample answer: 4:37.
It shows 7:34
